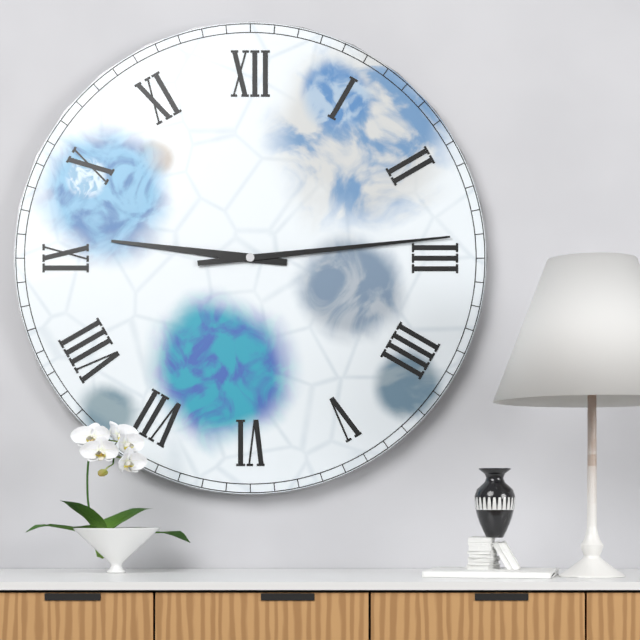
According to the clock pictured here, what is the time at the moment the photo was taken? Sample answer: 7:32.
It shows 9:14
